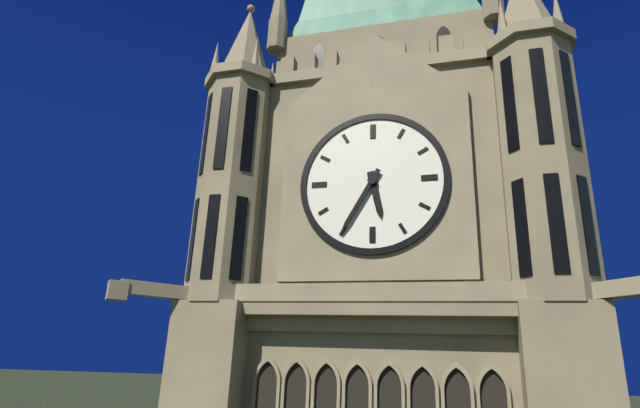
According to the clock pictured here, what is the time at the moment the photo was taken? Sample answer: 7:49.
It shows 5:35
